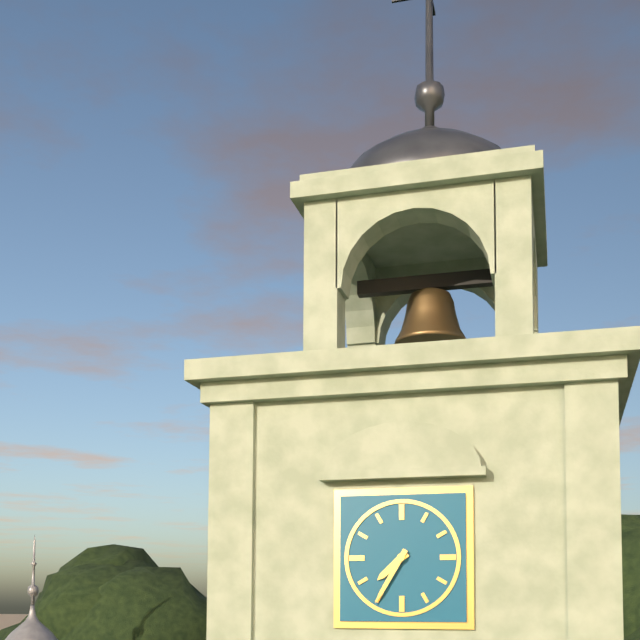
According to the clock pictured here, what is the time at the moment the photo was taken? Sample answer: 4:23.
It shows 7:35
